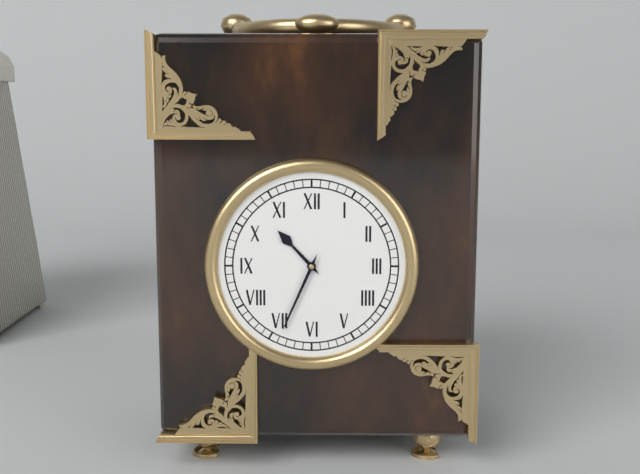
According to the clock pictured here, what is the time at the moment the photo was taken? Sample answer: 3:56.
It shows 10:34
